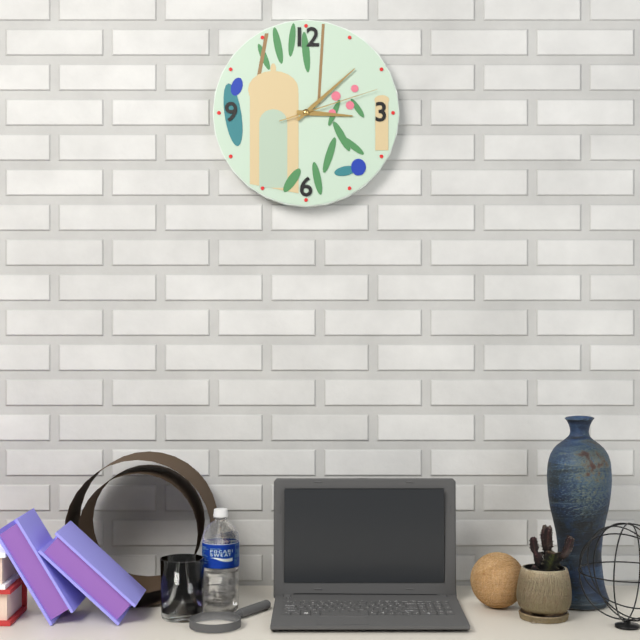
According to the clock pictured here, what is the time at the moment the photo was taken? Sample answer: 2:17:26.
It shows 3:08:12
